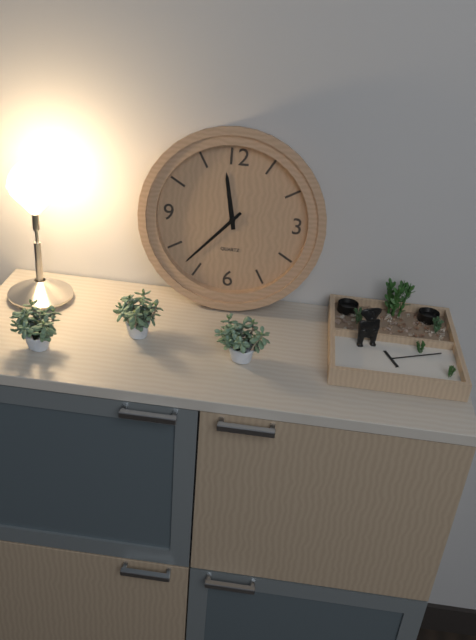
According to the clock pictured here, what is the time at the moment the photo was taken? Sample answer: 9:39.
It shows 11:37
